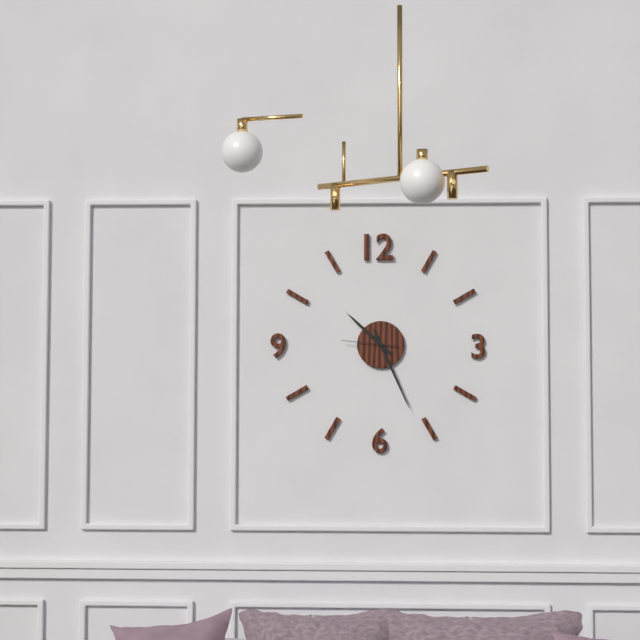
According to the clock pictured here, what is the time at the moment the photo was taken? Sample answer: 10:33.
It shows 10:26
